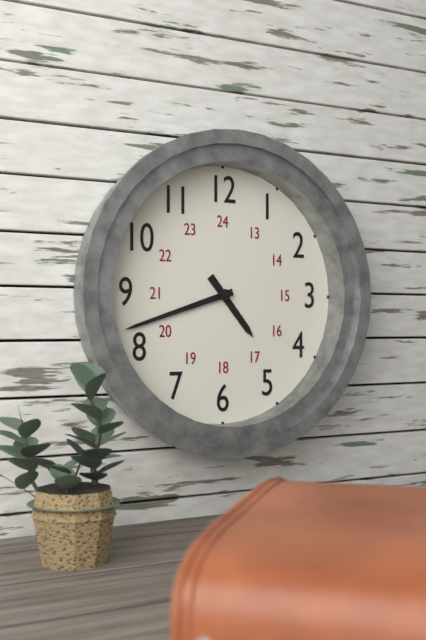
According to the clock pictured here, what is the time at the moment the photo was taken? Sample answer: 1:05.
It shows 4:42
